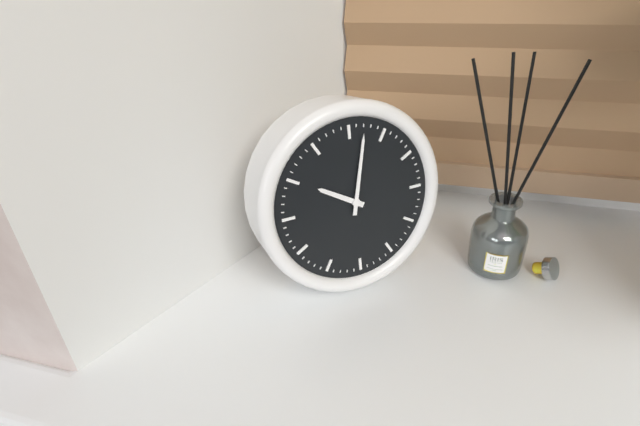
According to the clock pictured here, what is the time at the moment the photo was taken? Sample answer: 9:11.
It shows 10:02
